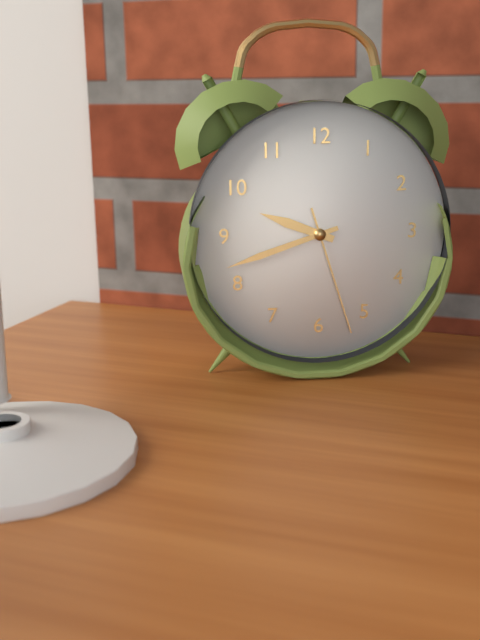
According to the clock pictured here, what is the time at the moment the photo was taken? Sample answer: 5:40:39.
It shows 9:42:27
